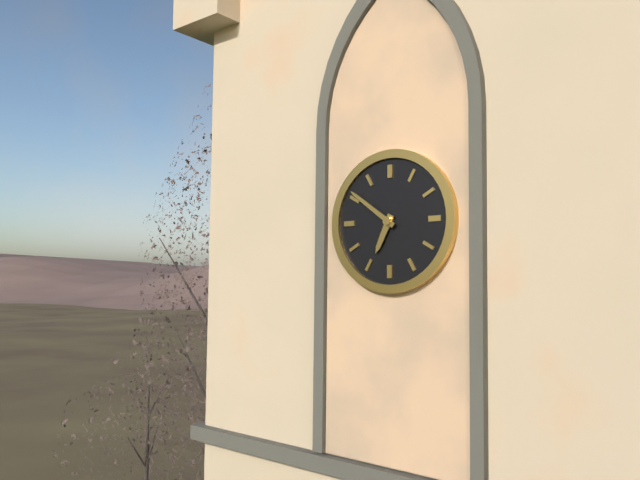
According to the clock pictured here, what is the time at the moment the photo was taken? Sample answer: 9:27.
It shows 6:51
